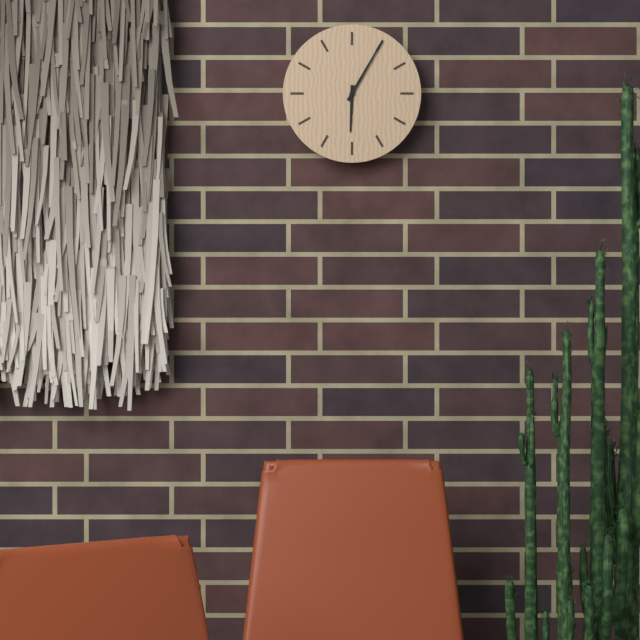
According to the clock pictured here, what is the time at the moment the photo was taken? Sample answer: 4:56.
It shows 6:05
